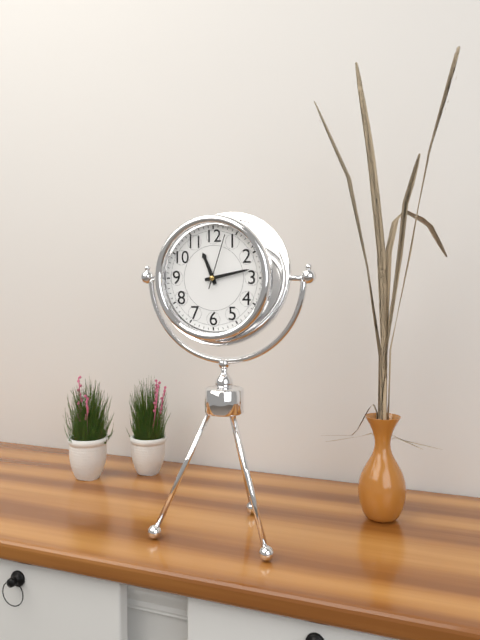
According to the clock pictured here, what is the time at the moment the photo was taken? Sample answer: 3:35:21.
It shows 11:13:03
